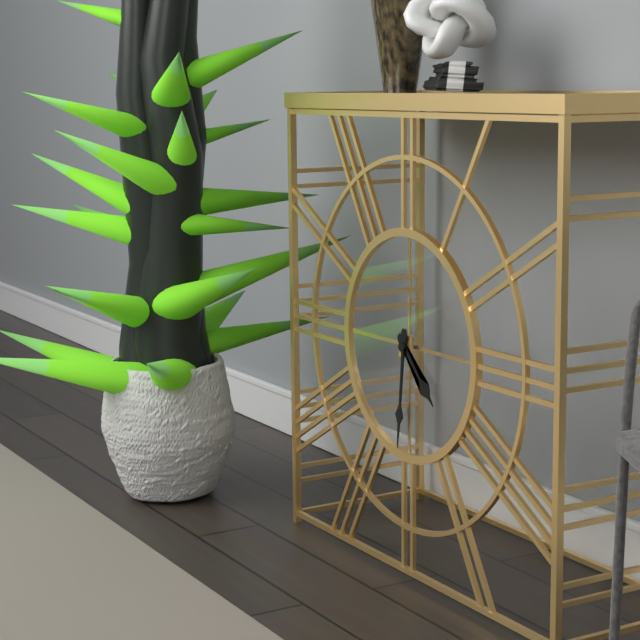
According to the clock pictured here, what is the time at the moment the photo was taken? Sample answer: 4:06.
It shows 4:31
